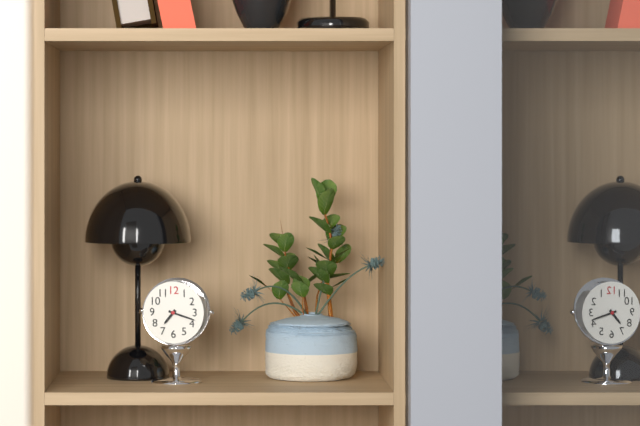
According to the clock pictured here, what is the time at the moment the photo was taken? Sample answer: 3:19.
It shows 7:18
